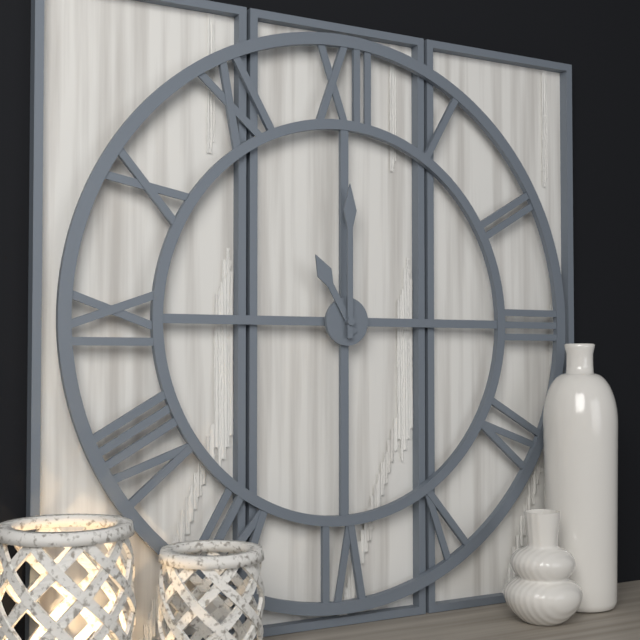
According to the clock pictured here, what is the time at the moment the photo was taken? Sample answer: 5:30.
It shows 11:00
